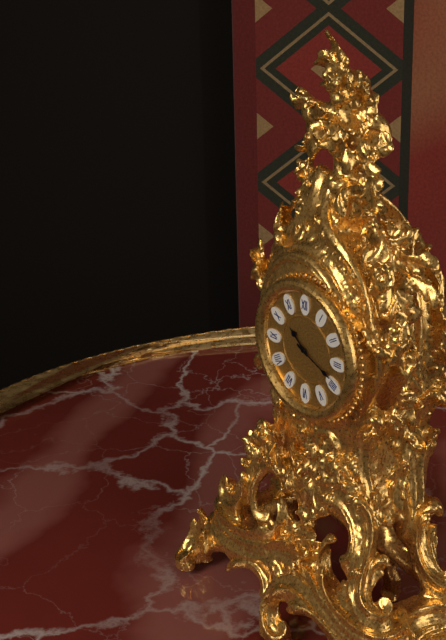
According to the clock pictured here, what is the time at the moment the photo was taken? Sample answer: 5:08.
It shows 10:19
